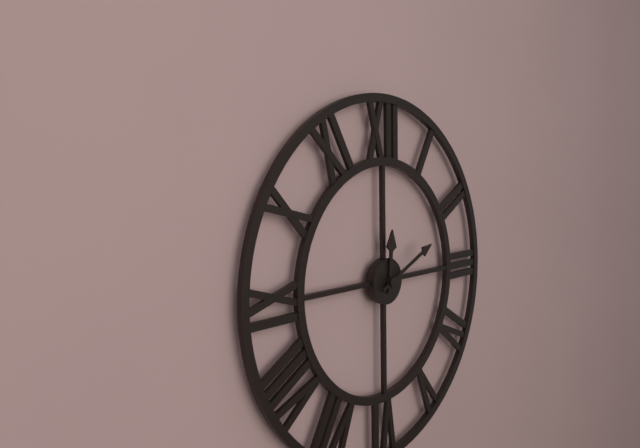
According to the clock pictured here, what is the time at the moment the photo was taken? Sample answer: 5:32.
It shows 12:11
